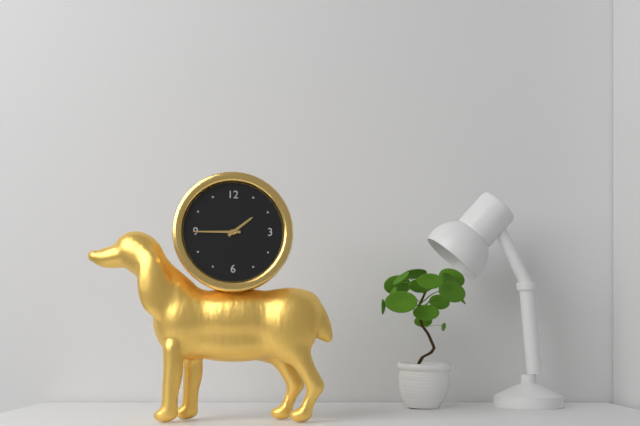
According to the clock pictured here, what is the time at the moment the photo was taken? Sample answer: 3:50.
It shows 1:45
